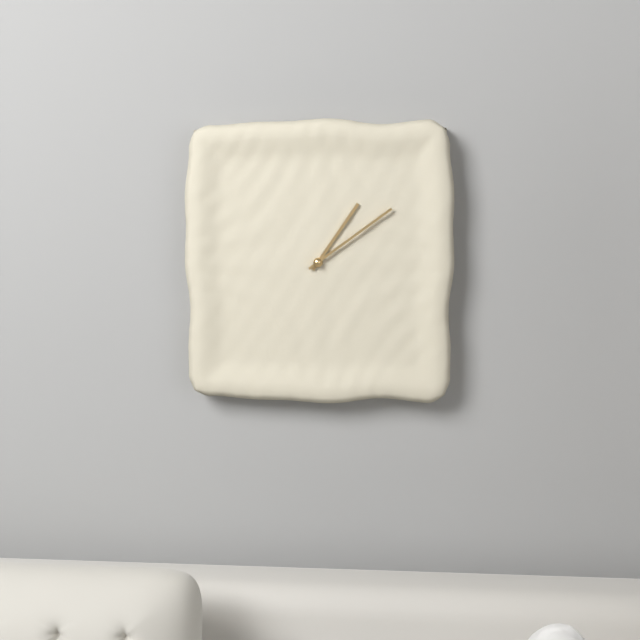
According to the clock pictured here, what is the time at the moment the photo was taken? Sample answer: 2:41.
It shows 1:09
